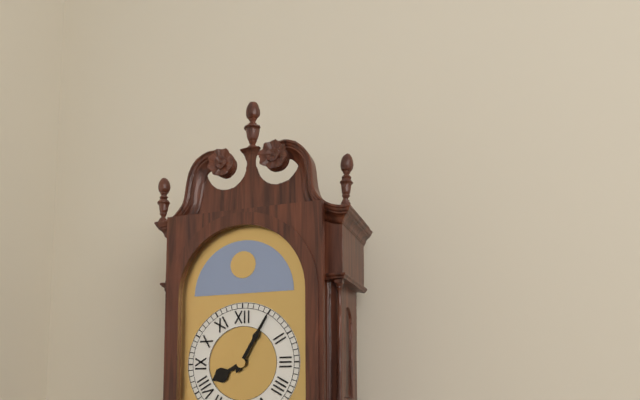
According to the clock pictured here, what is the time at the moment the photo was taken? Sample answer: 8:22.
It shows 8:05
